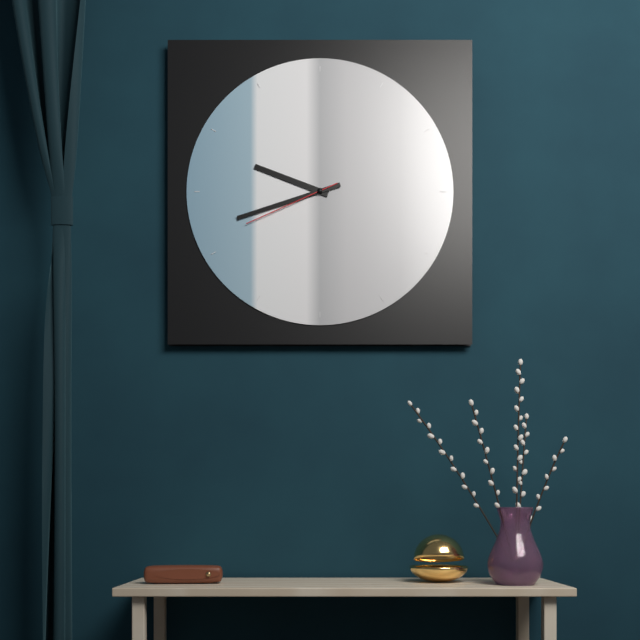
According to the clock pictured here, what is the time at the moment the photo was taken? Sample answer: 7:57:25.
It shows 9:42:41
